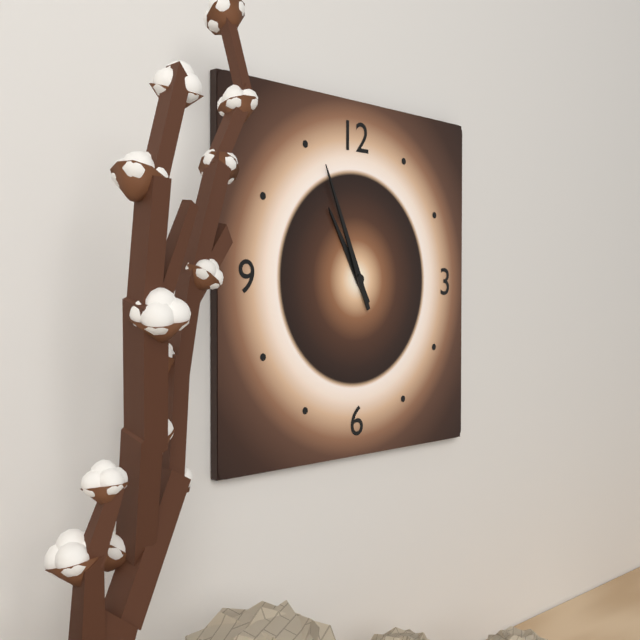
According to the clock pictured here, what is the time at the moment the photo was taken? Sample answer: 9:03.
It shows 10:56
